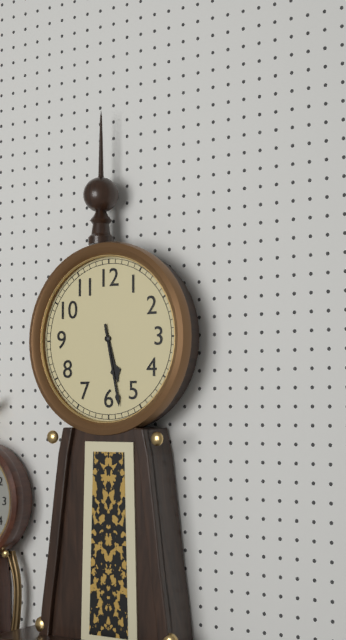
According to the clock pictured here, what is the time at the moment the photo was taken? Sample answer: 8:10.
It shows 5:28
